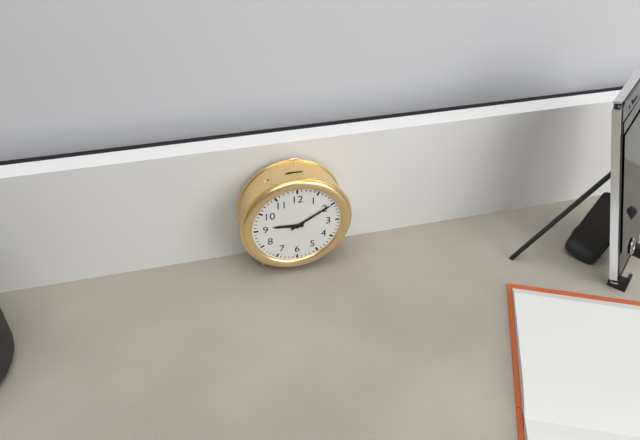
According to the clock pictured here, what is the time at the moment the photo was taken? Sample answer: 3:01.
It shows 9:10
